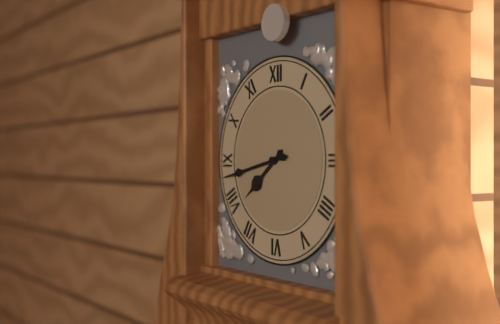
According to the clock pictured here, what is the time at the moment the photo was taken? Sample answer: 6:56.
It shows 7:43
